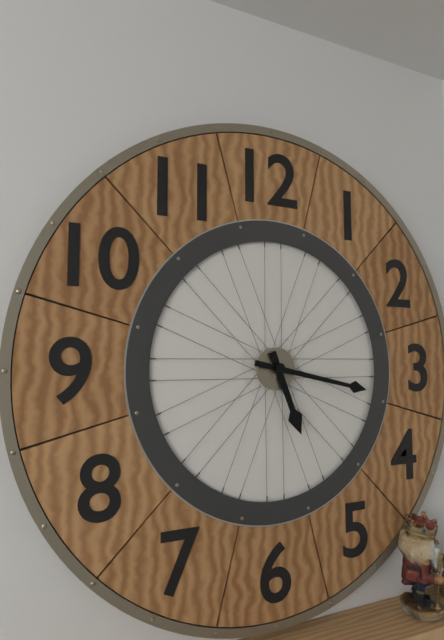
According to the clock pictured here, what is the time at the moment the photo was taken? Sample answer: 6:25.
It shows 5:17
